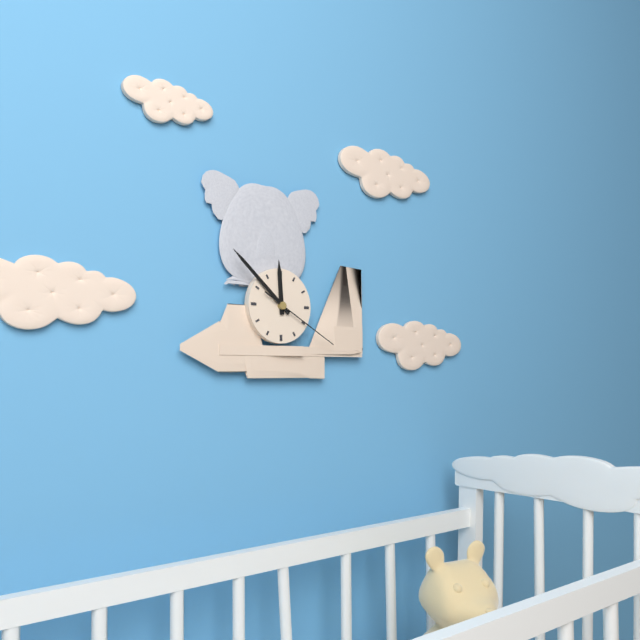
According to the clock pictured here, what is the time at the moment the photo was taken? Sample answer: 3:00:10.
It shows 11:52:20
